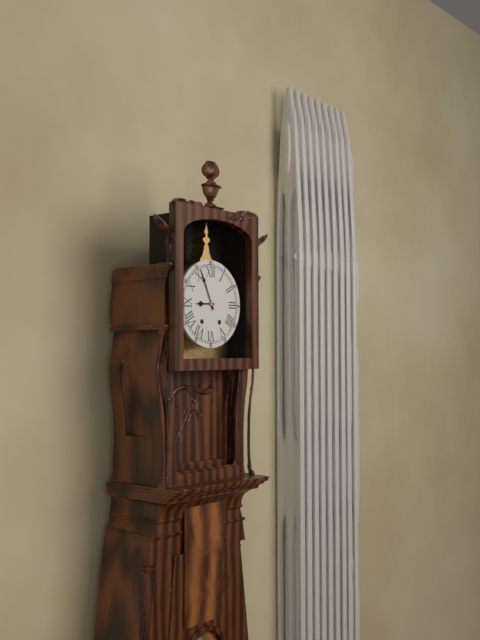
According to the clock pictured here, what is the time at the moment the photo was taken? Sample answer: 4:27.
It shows 8:56
